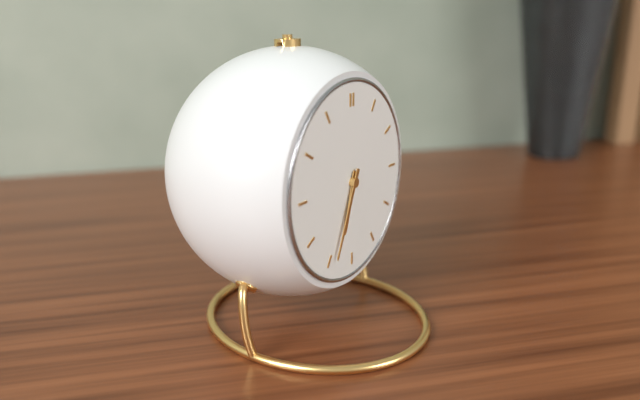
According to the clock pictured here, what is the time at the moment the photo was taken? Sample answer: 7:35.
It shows 6:34
